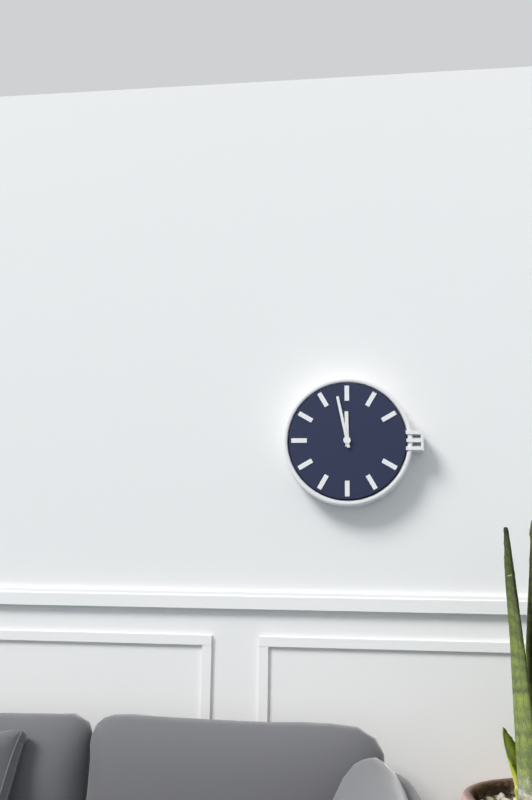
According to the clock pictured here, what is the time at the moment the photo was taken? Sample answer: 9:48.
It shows 11:58
